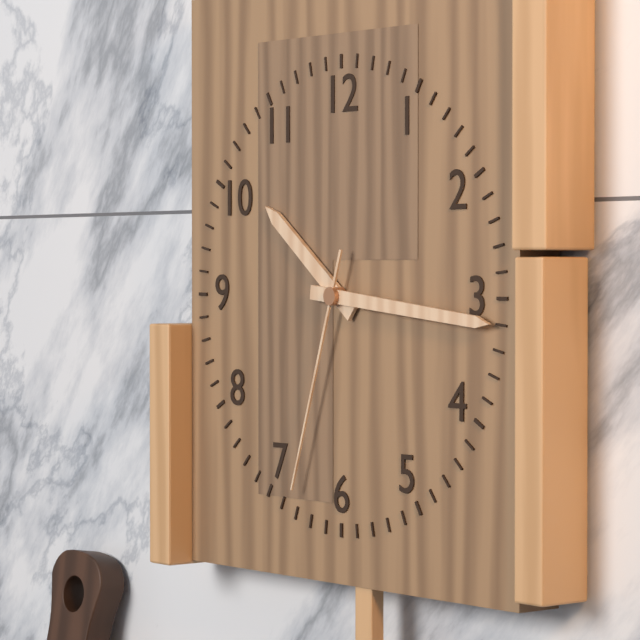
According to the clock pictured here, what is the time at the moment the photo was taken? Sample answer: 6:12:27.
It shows 10:16:33
